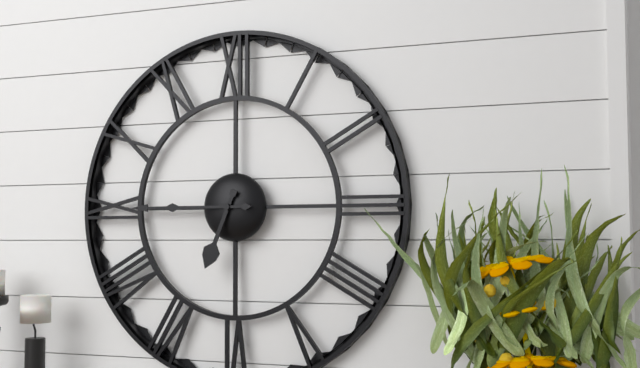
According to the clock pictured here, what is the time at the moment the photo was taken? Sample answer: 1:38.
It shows 6:45
